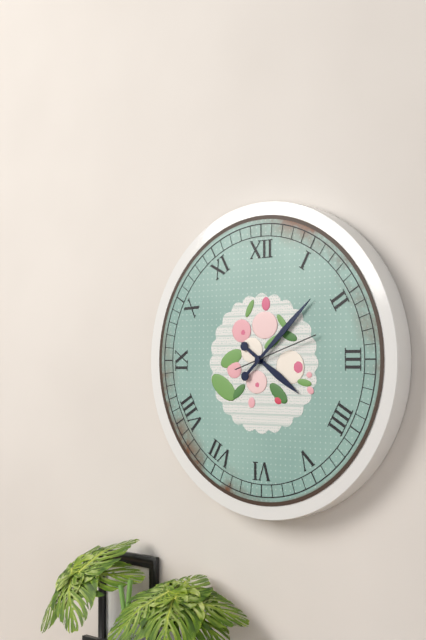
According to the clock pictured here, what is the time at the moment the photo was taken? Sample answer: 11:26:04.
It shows 4:08:12
